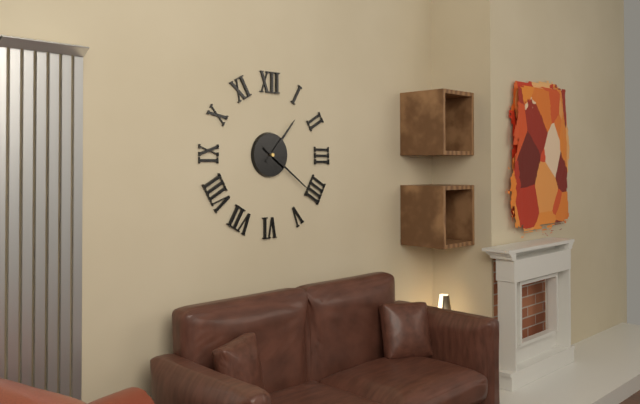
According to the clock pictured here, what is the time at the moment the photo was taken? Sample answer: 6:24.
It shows 1:21
